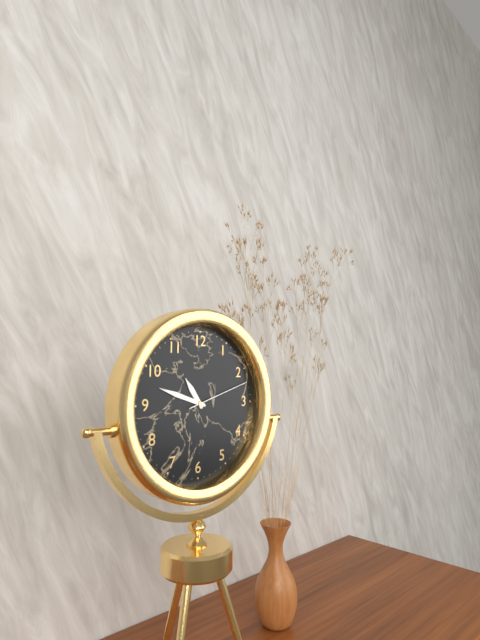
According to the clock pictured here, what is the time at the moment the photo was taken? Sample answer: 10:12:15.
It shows 10:48:12
